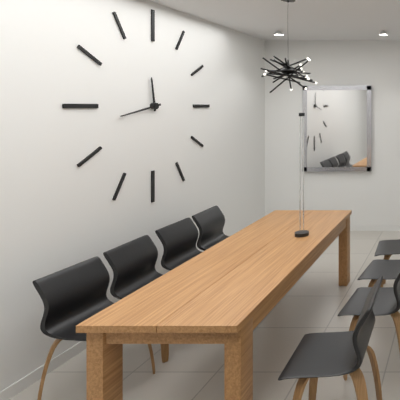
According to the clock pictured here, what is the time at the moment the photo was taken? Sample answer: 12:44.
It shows 11:43
